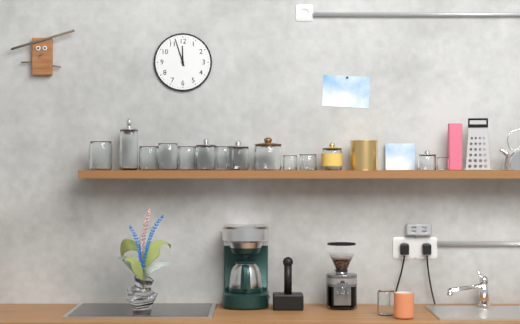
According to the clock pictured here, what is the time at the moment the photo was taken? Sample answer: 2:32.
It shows 11:57
